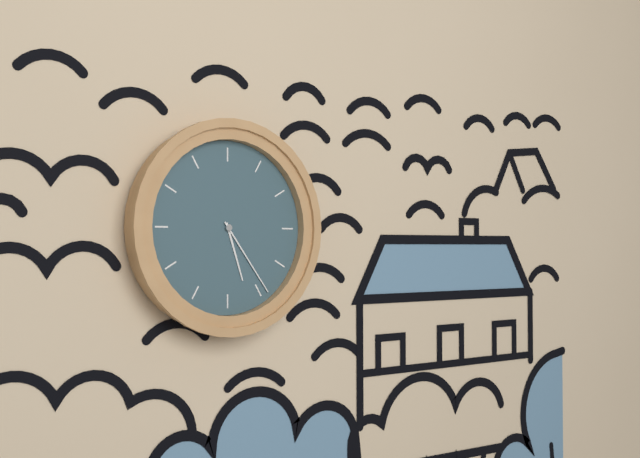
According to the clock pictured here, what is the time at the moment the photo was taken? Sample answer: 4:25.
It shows 5:24
